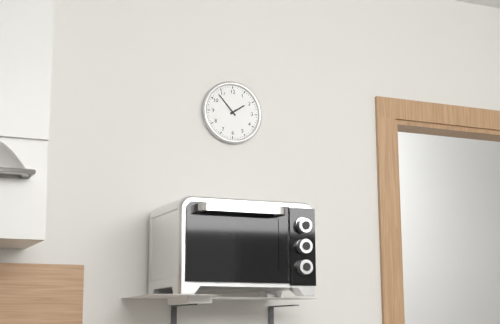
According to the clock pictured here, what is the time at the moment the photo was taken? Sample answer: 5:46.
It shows 1:53
